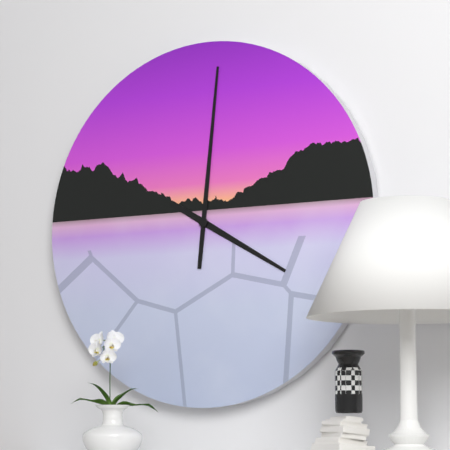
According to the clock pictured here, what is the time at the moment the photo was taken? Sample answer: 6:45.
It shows 4:01
